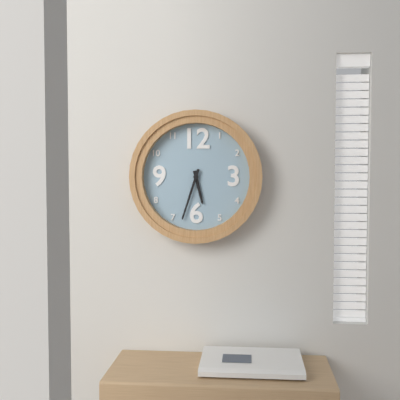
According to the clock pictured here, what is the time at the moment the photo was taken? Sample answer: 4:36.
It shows 5:33
